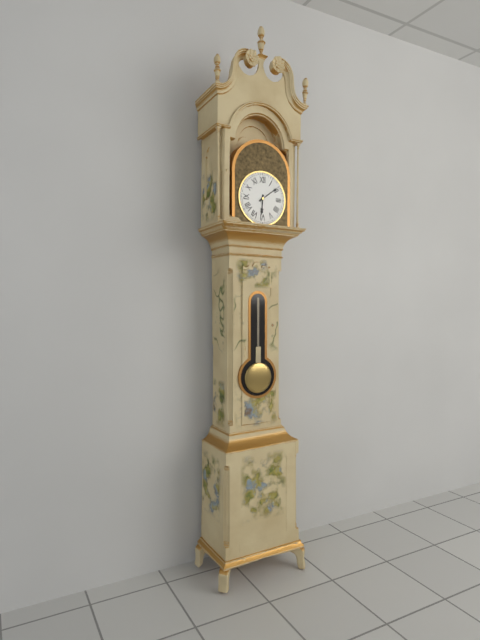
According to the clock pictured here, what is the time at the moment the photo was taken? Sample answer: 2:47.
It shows 6:09
